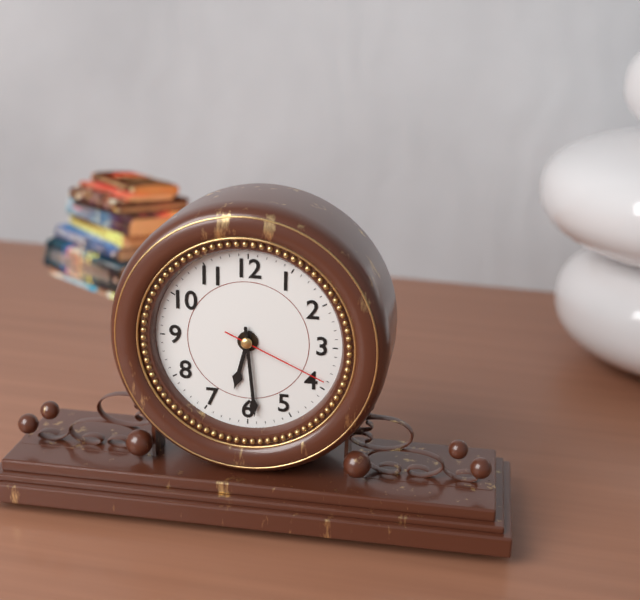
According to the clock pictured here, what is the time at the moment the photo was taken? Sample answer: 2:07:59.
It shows 6:29:19
